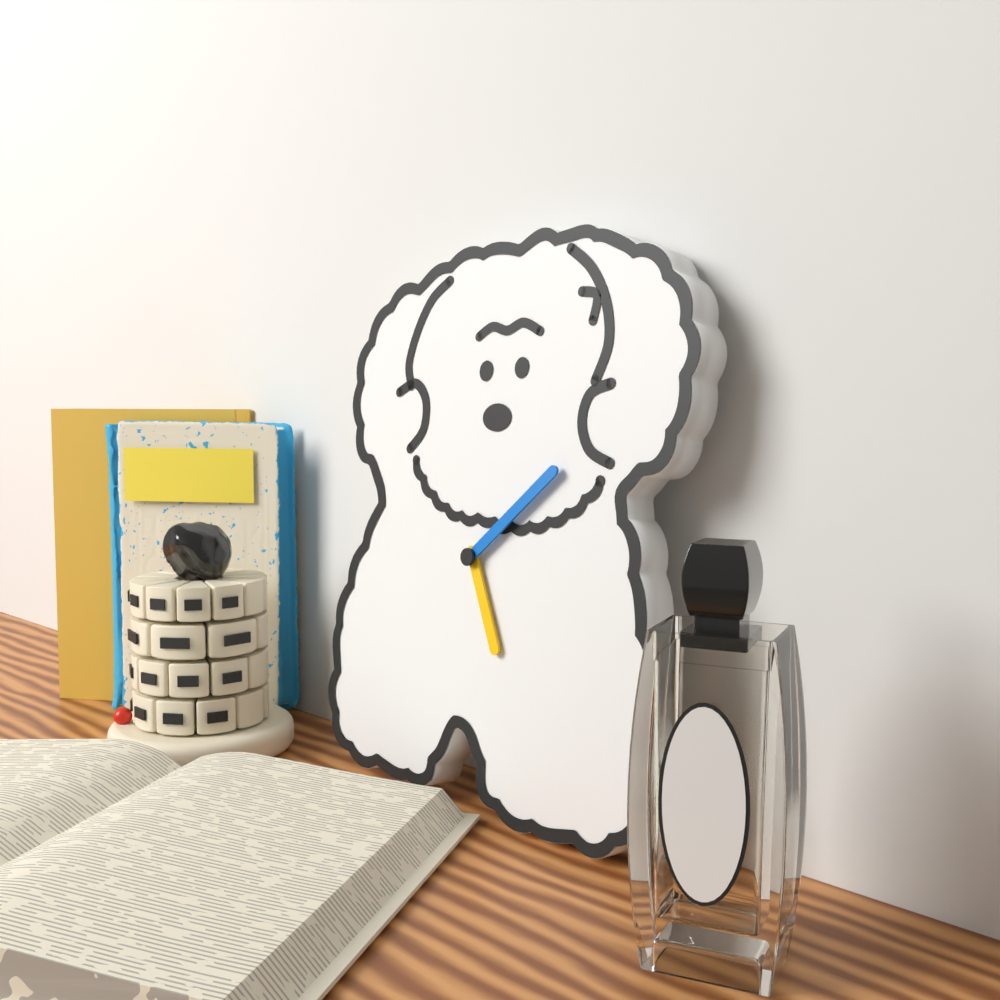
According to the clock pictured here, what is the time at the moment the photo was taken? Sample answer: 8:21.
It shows 5:08
